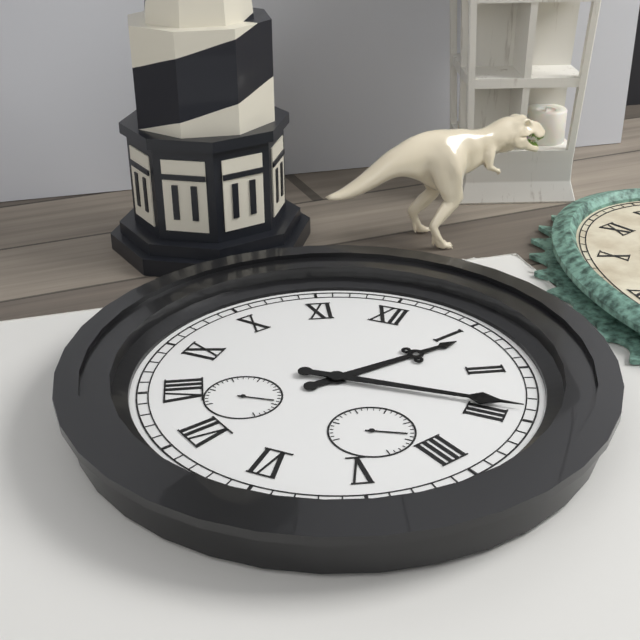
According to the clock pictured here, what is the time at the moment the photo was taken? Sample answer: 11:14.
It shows 1:14
